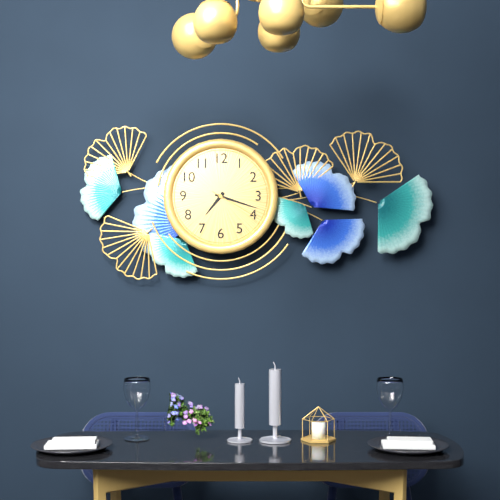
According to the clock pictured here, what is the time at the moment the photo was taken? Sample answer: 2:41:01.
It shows 7:18:20
